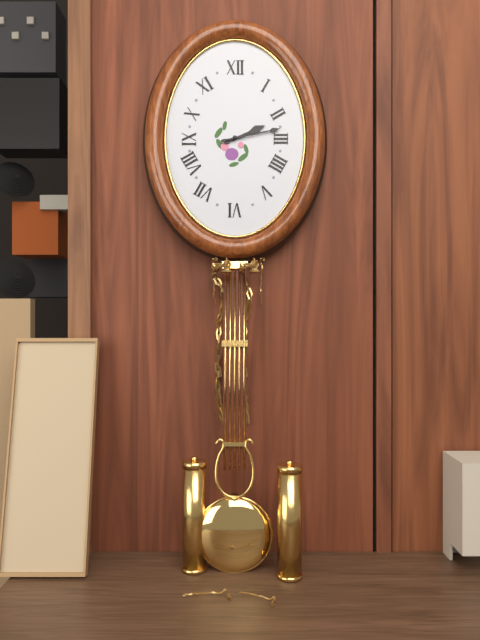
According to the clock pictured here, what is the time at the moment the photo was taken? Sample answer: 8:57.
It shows 2:13
